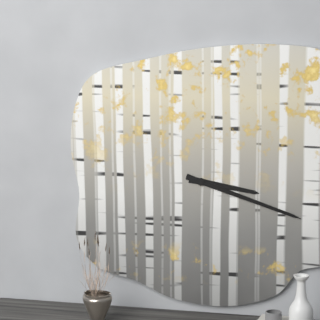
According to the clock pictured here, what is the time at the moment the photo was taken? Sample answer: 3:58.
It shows 3:18
